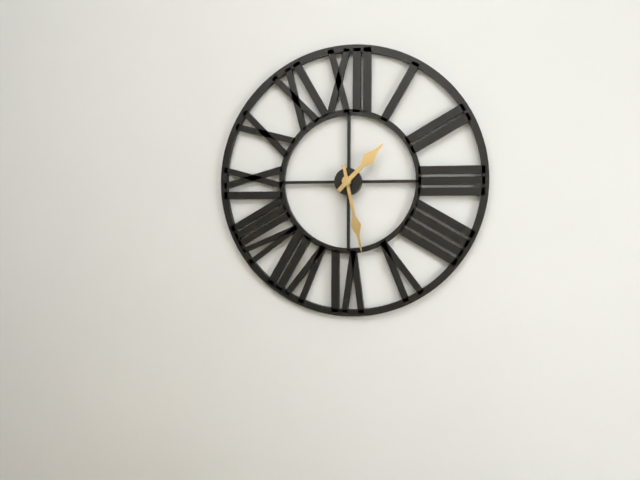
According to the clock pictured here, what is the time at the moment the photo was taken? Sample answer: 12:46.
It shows 1:28
